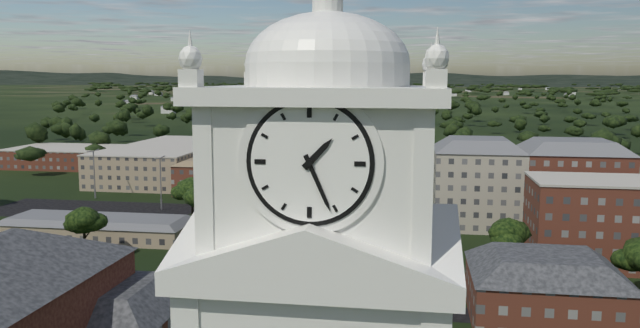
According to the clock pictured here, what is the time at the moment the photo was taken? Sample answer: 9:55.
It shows 1:26
